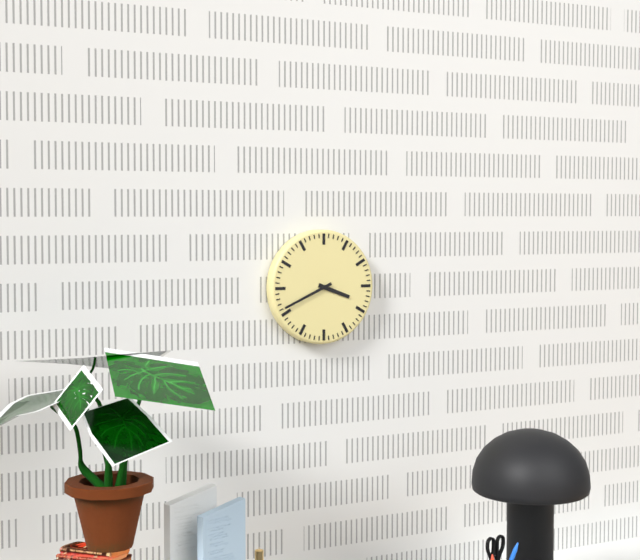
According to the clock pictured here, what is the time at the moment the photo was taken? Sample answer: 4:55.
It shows 3:41
